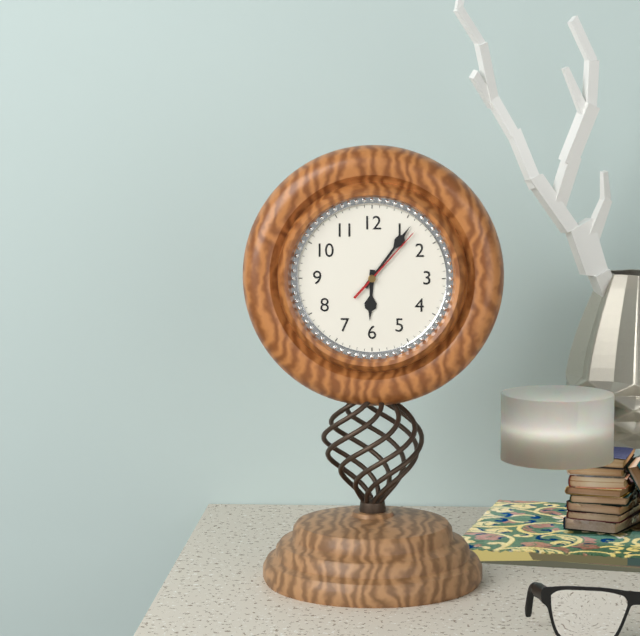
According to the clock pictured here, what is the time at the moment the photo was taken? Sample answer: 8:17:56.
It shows 6:06:07
